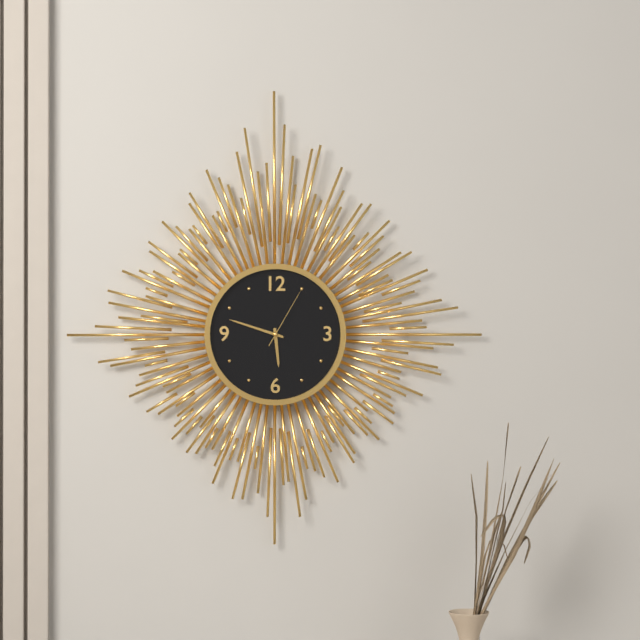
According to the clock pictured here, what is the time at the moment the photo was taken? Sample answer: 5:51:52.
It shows 5:48:05
